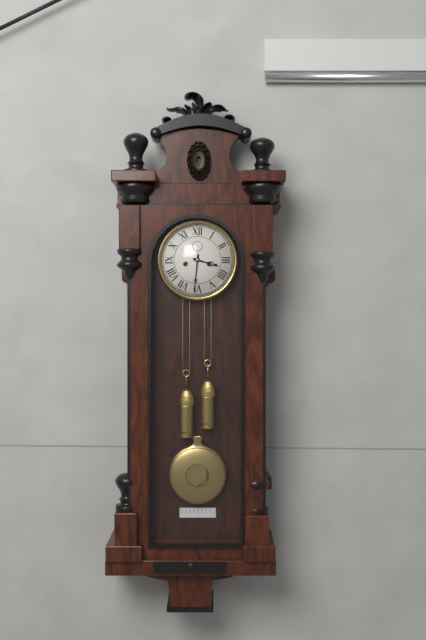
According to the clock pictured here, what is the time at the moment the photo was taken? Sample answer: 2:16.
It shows 3:31
